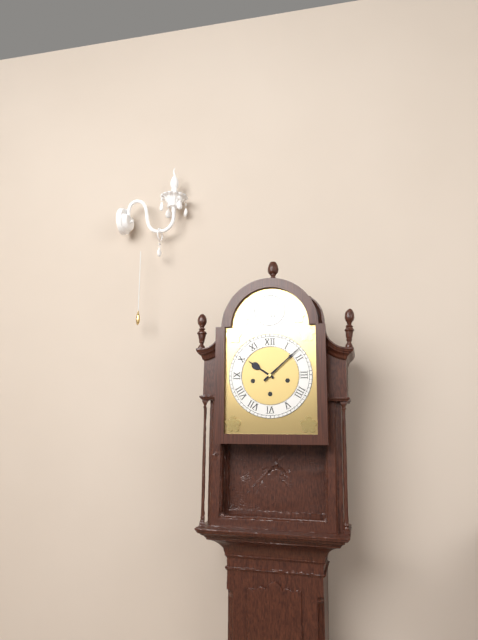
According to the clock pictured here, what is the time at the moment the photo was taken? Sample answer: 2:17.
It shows 10:08
